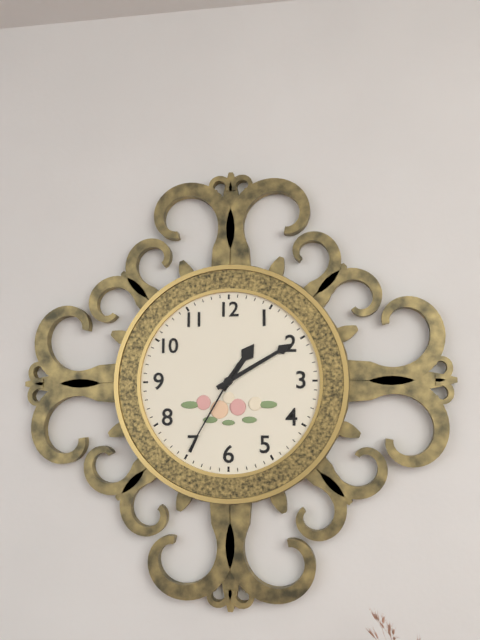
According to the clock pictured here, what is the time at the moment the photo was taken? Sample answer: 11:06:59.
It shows 1:10:35
